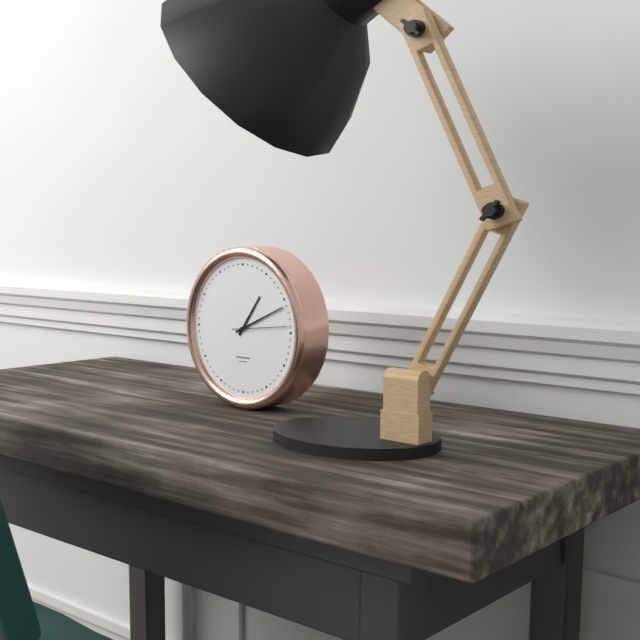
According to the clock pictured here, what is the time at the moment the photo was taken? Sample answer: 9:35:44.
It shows 1:11:14
